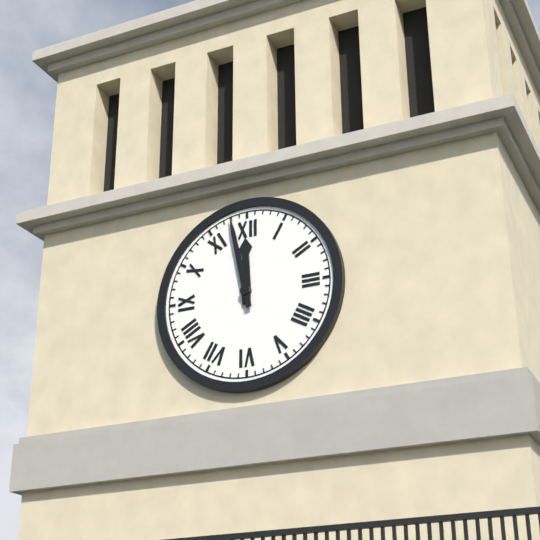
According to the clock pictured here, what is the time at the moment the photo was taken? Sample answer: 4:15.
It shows 11:58
